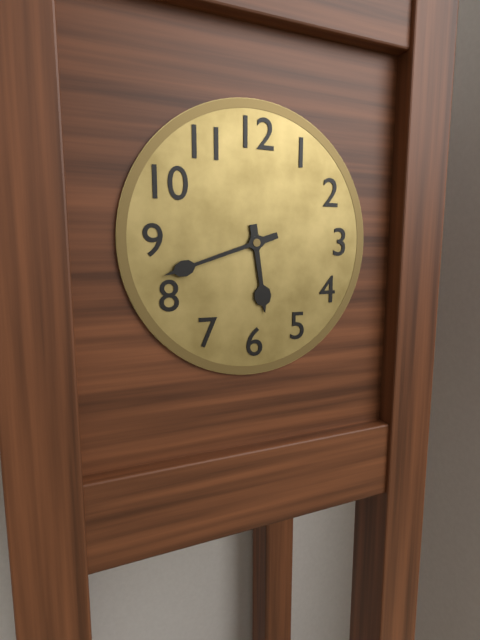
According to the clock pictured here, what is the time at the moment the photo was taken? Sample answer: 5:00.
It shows 5:42
